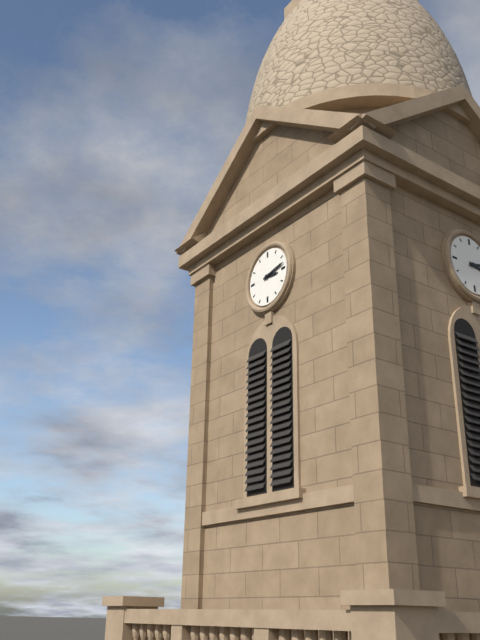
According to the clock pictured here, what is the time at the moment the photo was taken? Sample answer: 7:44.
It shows 3:13
